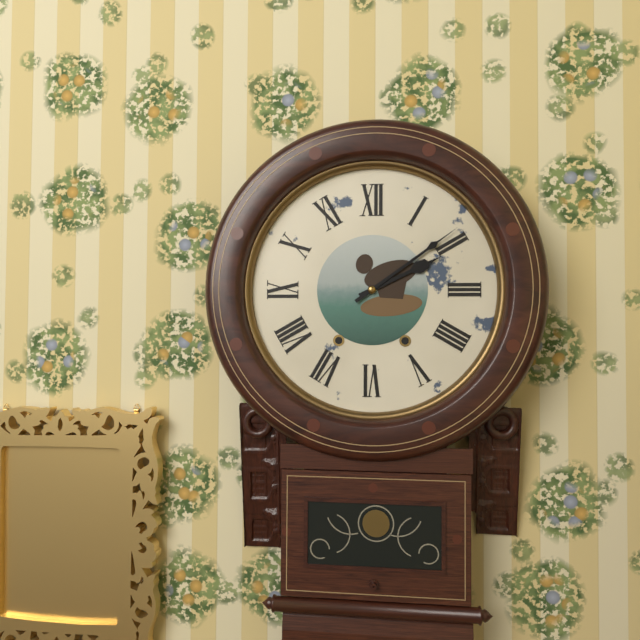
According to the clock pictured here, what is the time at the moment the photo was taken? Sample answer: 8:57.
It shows 2:09
